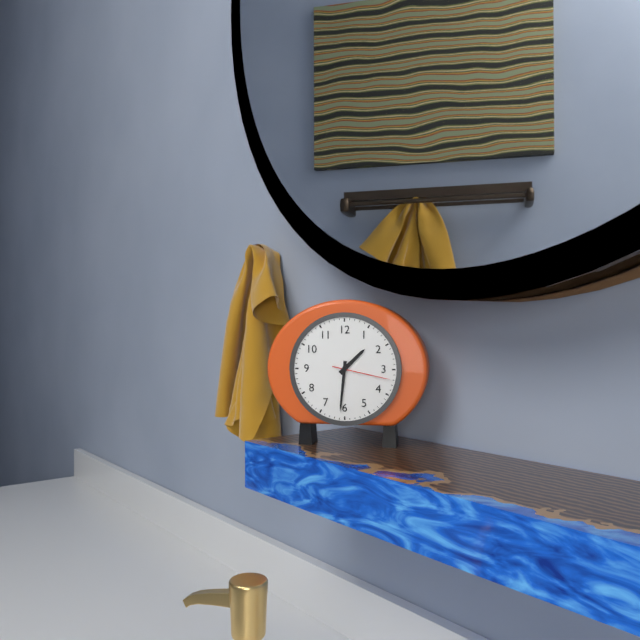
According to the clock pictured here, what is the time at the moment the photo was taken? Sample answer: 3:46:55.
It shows 1:31:17
